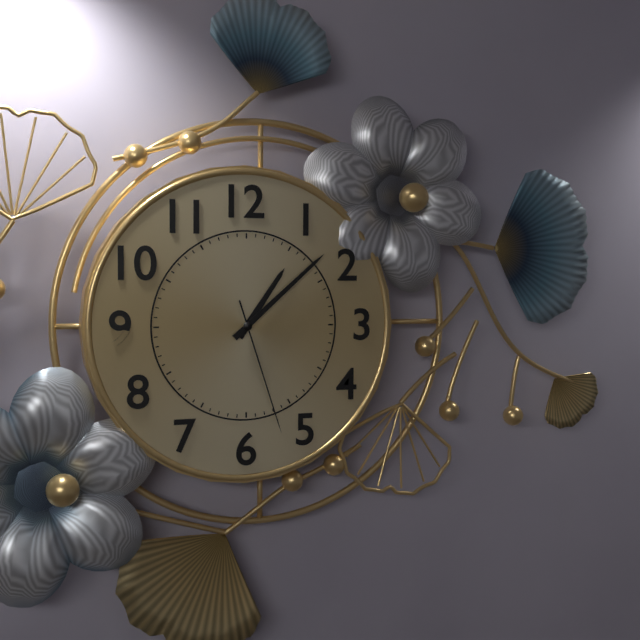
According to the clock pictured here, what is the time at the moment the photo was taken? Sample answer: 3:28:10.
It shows 1:08:27
